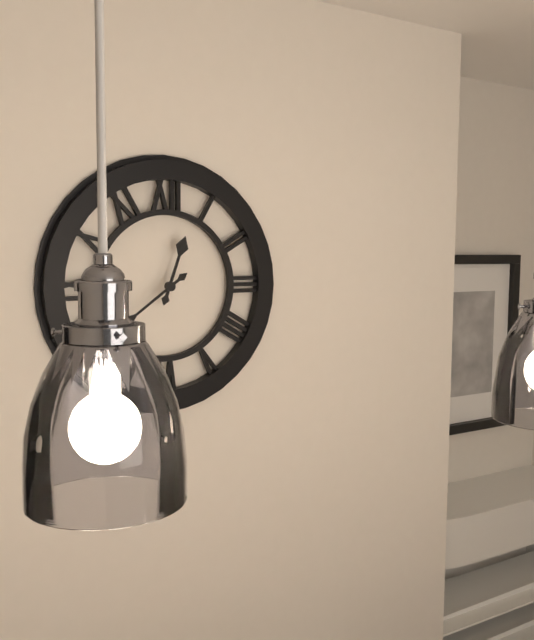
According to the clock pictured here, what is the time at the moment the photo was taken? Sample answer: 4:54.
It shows 12:39
